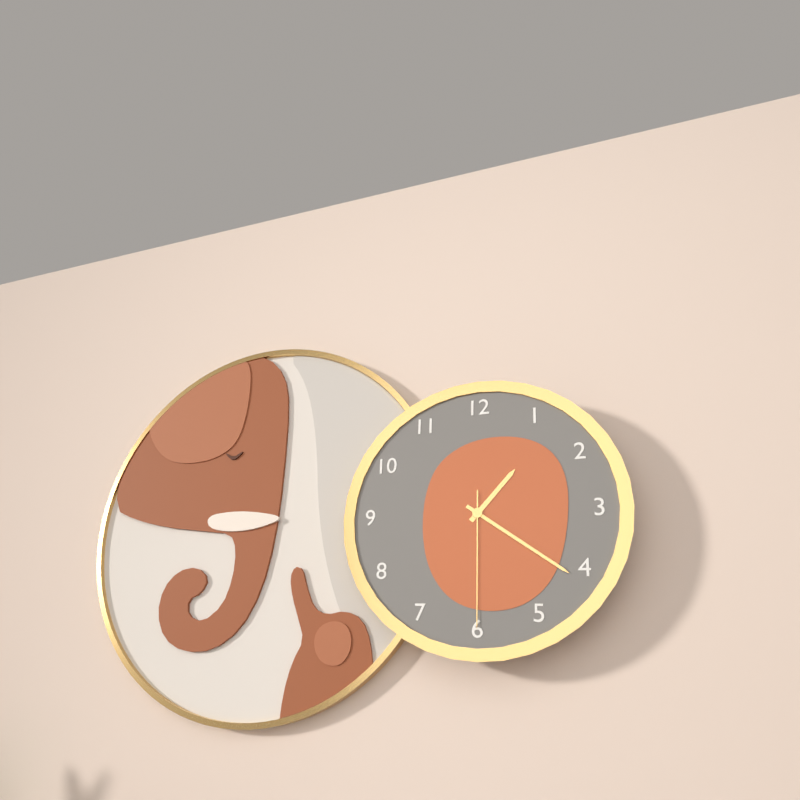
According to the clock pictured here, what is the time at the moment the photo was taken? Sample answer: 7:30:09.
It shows 1:21:30
